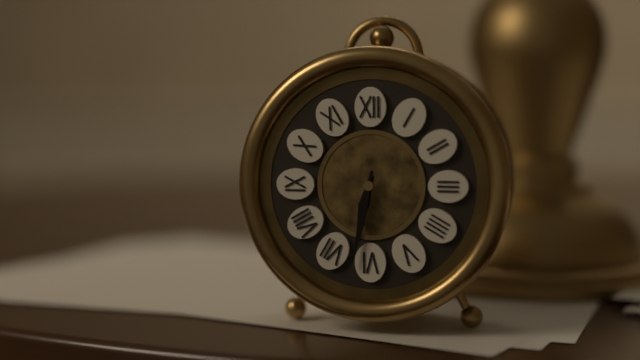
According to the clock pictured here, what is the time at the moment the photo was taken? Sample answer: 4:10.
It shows 6:32
